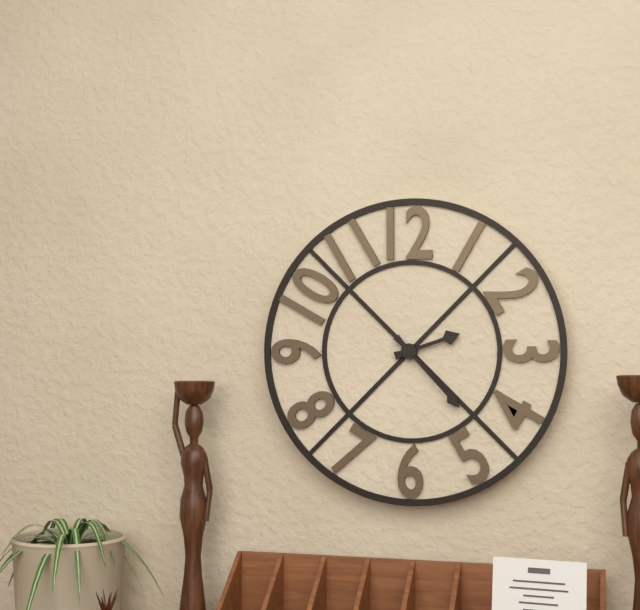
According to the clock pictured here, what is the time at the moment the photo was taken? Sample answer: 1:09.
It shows 2:23
